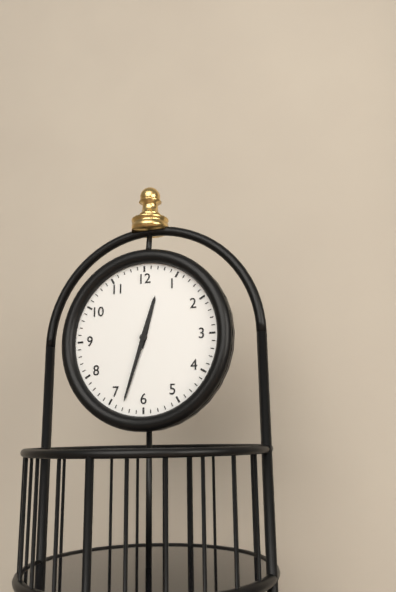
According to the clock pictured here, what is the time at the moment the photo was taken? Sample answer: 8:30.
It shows 12:33
